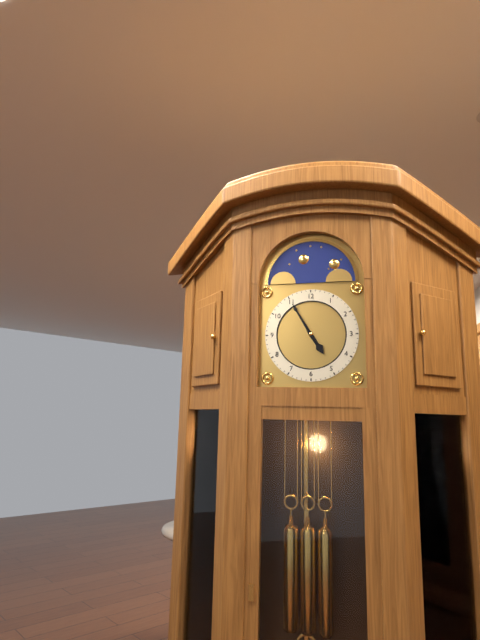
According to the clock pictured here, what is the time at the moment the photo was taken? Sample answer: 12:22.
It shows 4:55
